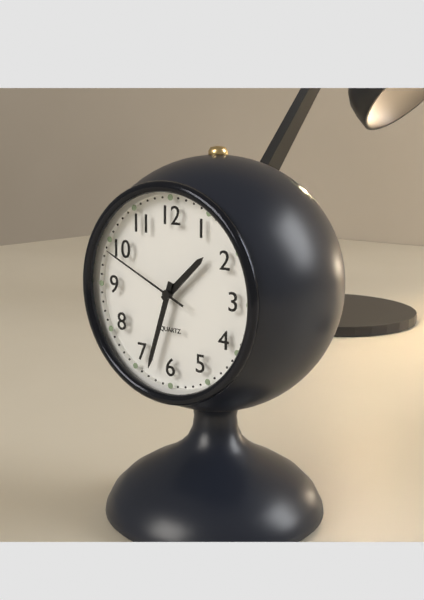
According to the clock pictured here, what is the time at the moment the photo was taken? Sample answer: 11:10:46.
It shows 1:33:49
